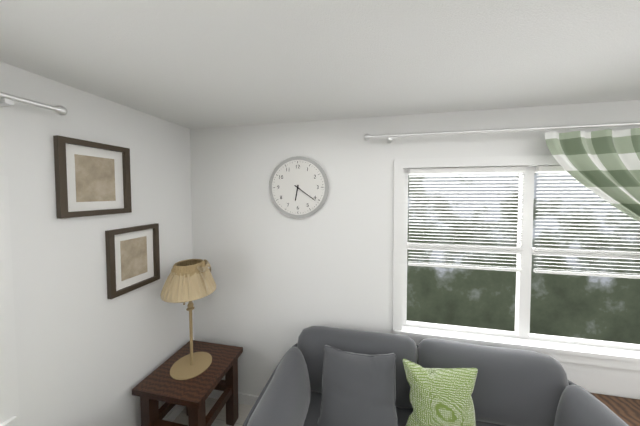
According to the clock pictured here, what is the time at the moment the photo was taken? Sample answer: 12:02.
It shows 6:21
